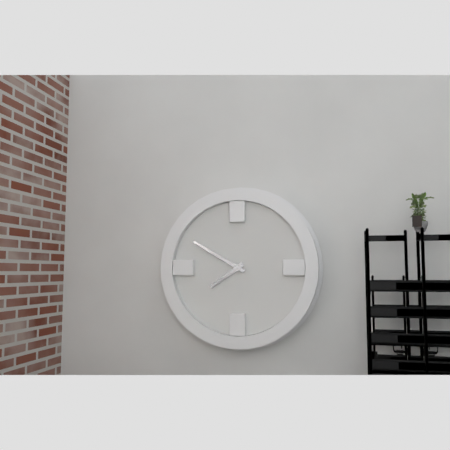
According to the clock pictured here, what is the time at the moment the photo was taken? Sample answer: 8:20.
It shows 7:50
